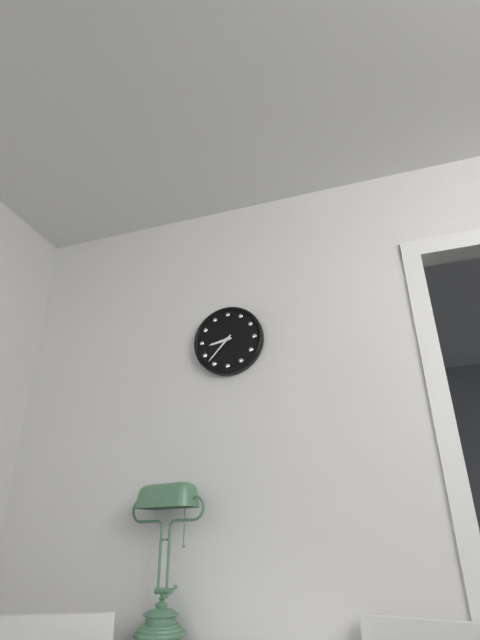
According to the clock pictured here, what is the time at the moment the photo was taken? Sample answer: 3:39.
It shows 8:37
